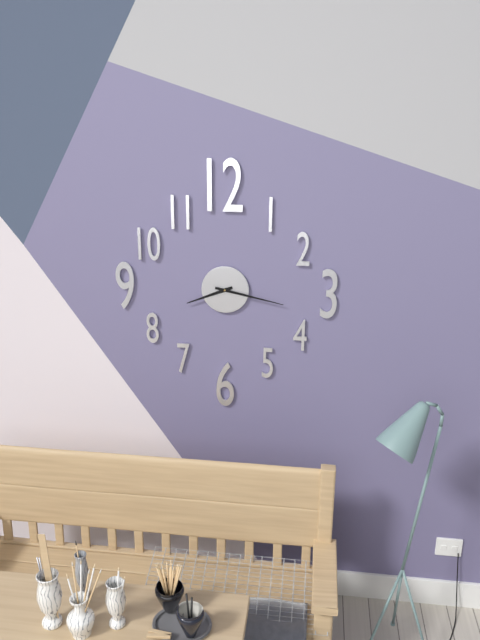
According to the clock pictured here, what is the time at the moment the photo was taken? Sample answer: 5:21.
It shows 8:17
